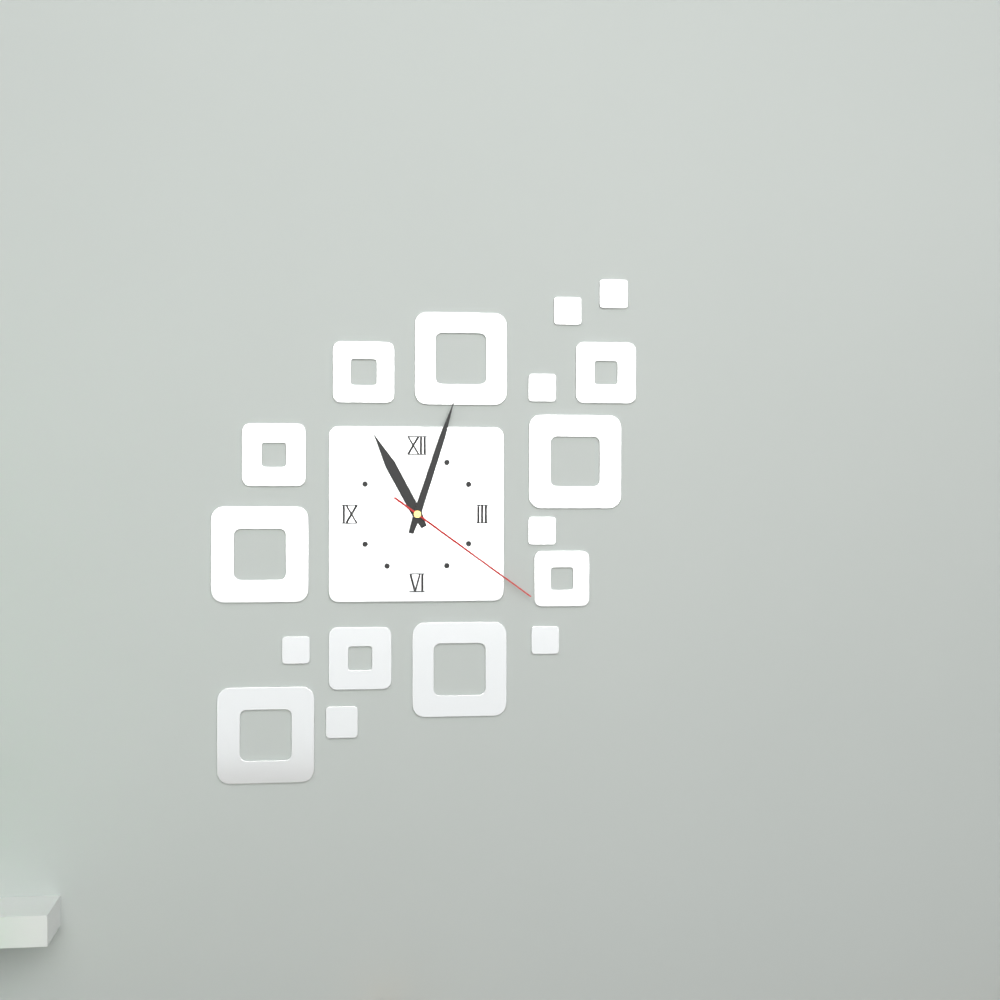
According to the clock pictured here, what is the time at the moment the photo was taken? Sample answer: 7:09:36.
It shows 11:03:21
